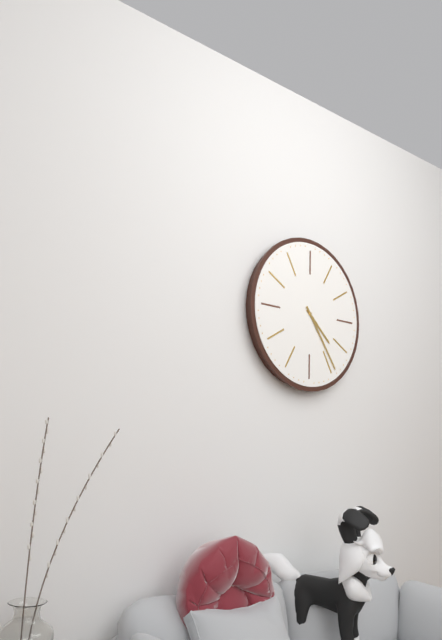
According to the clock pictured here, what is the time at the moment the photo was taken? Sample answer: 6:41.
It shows 4:24
